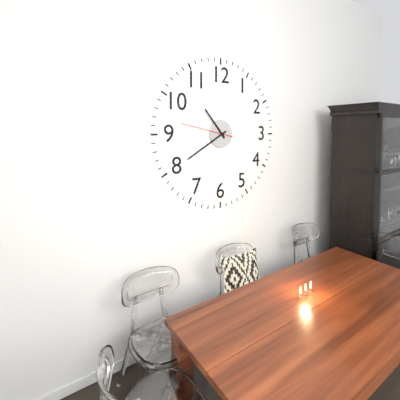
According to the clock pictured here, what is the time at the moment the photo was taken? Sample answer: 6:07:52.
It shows 10:40:47
